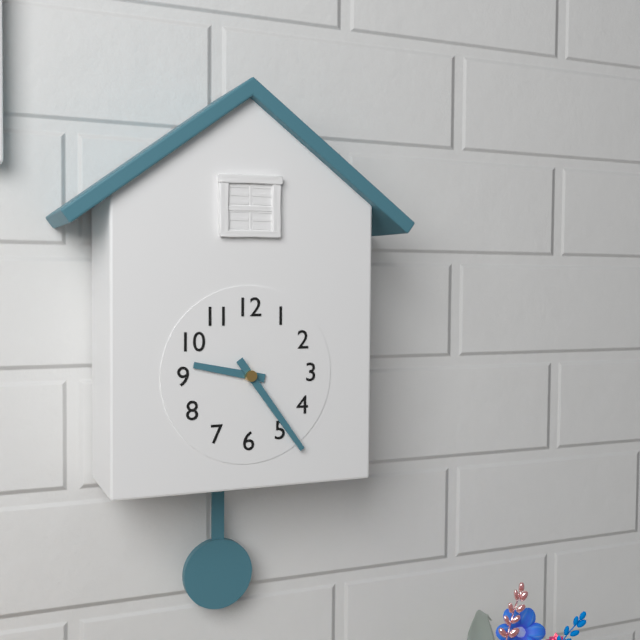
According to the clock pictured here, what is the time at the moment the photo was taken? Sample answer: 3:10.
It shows 9:24
